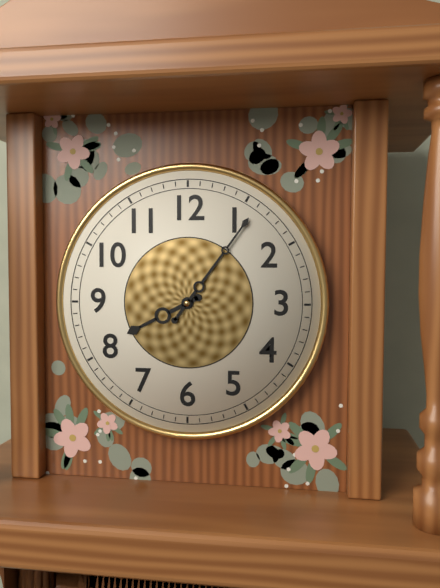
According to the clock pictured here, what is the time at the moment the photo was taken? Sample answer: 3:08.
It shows 8:06
